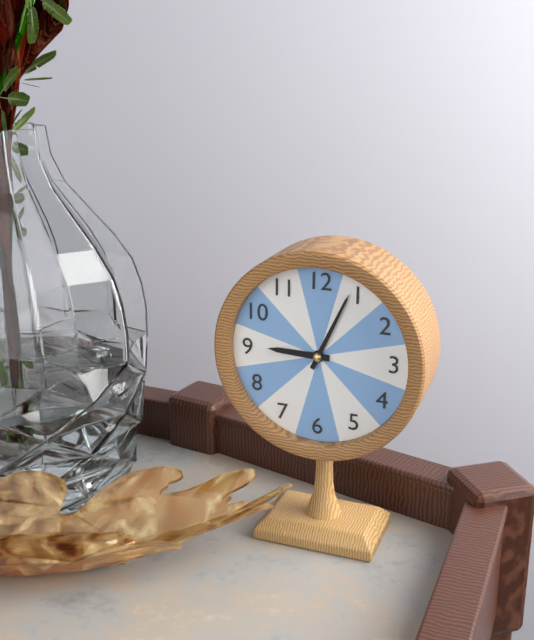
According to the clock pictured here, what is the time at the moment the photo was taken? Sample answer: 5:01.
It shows 9:04
